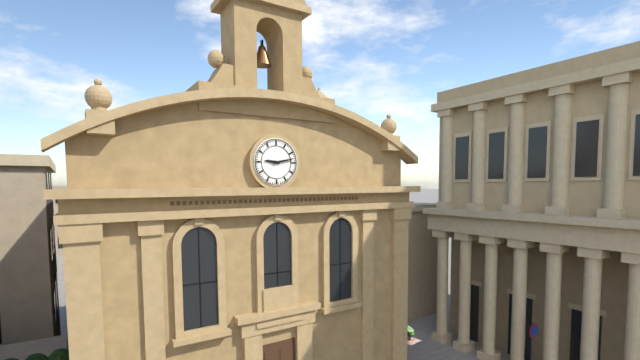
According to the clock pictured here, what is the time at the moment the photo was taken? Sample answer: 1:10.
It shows 9:13
